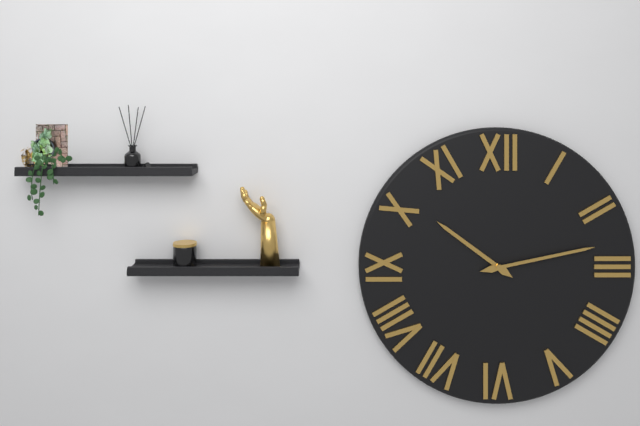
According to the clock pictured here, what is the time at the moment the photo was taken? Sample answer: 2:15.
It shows 10:13
